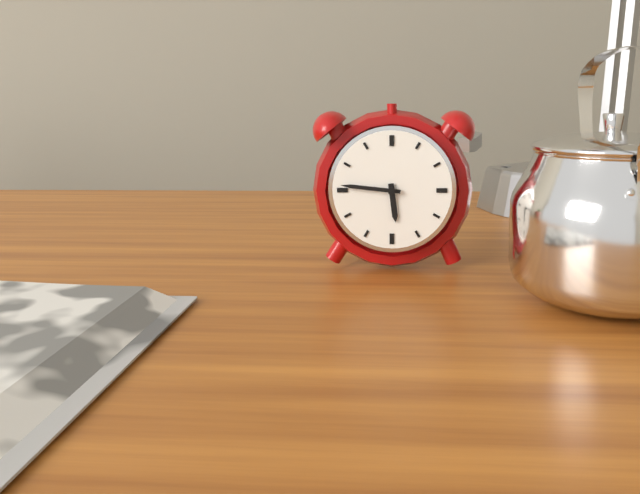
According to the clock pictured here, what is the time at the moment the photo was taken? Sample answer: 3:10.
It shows 5:46
